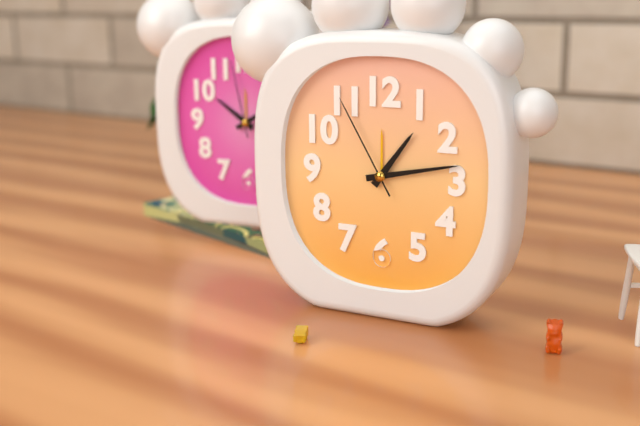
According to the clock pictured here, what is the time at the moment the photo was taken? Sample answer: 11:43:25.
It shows 1:13:55
